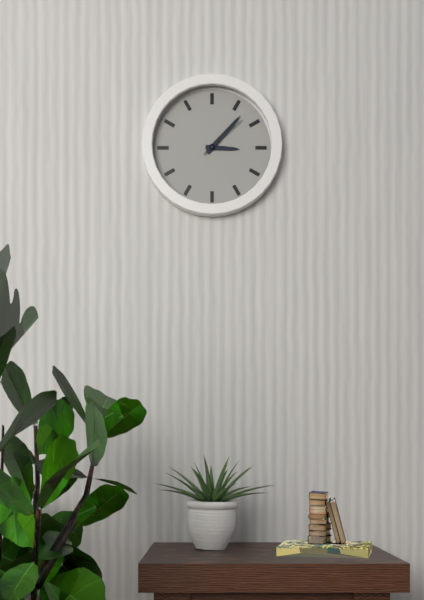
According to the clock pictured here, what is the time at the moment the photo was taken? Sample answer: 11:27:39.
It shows 3:07:08
